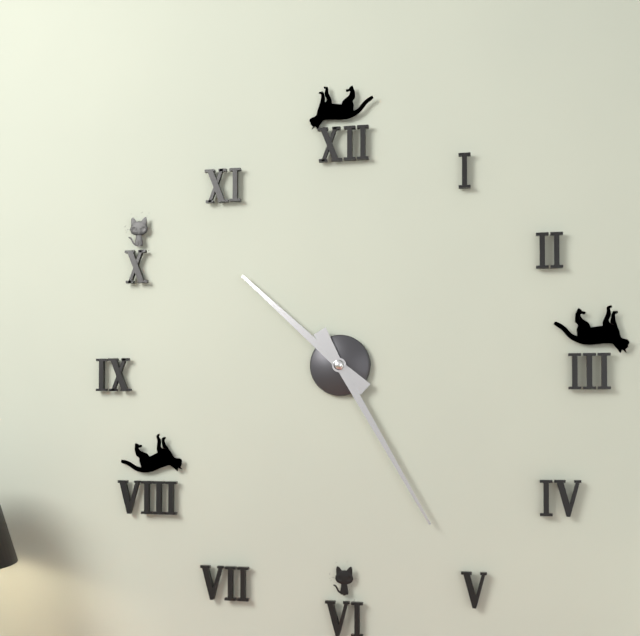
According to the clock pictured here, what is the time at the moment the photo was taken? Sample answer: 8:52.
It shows 10:25
